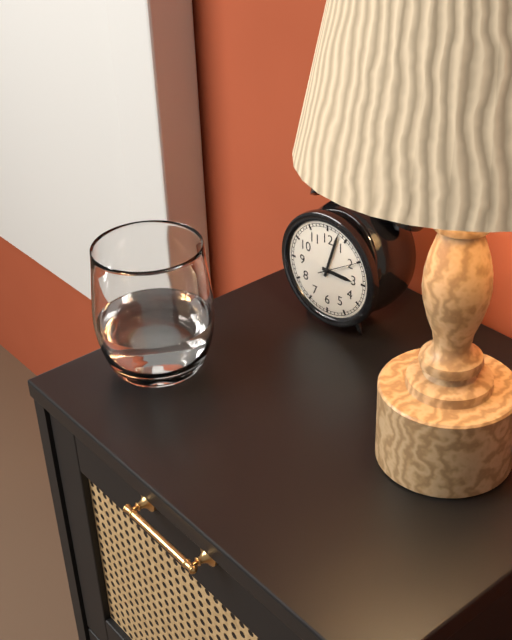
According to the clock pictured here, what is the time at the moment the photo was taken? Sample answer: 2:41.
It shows 3:03
